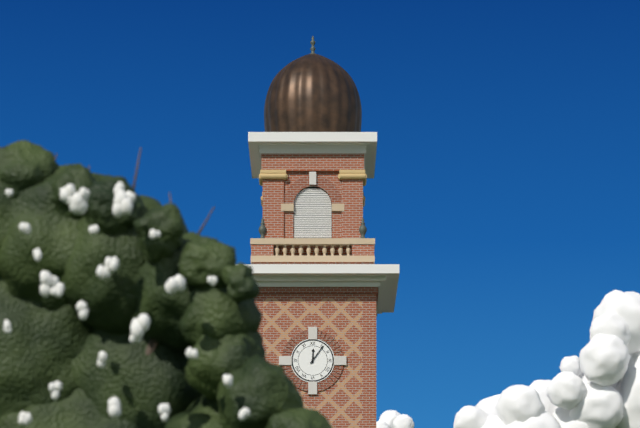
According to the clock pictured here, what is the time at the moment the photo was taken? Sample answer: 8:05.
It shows 12:06
